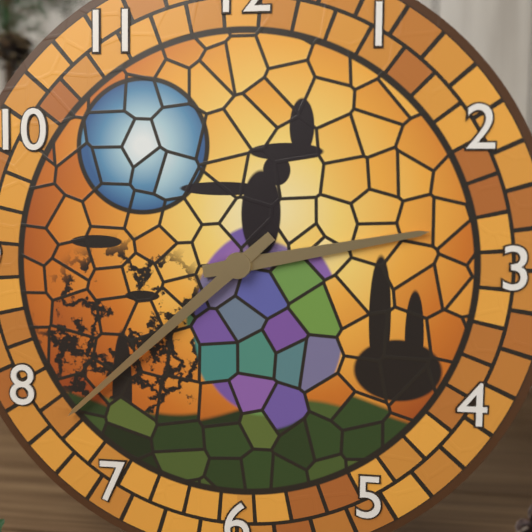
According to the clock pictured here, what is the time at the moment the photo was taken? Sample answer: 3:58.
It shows 2:38
